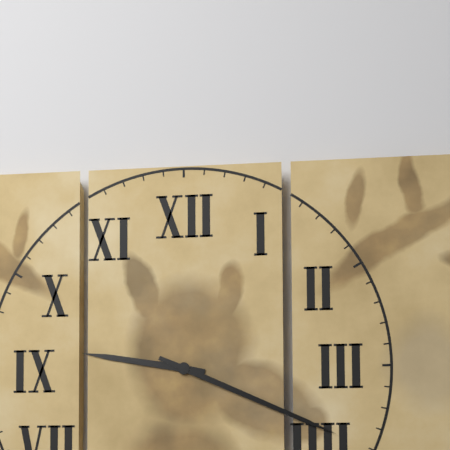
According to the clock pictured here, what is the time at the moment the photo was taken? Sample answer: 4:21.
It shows 9:19
